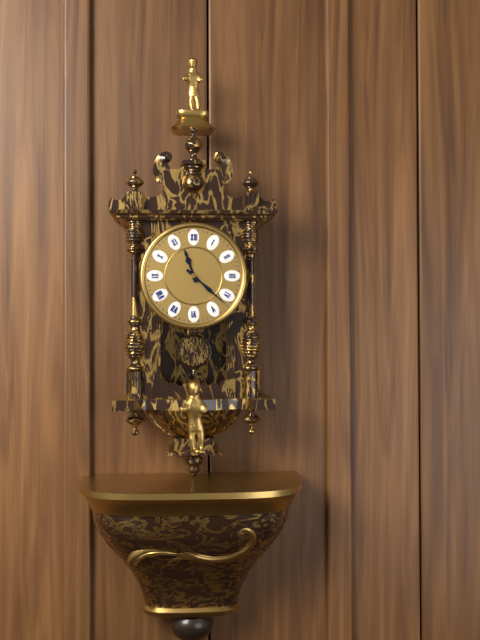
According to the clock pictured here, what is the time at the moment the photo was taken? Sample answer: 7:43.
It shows 11:22
